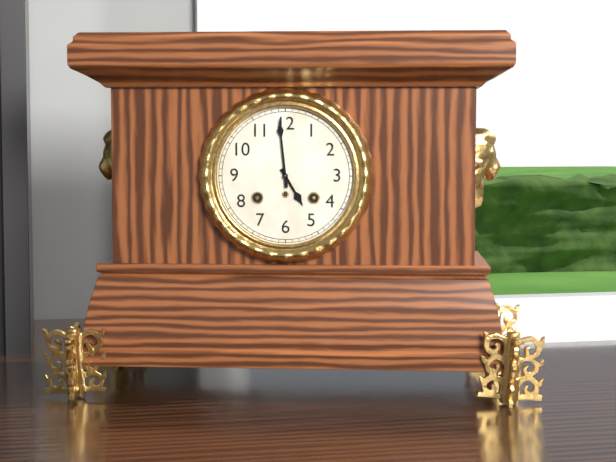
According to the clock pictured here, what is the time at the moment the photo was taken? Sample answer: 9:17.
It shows 4:59
